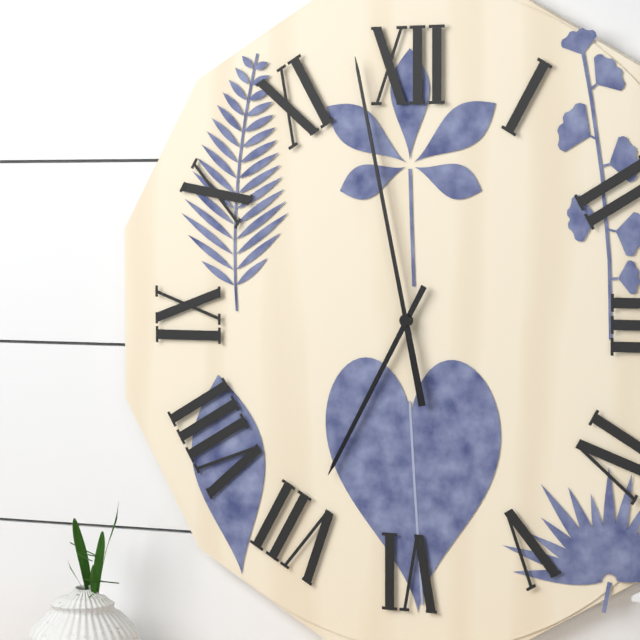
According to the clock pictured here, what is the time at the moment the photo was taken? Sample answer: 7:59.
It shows 6:58
